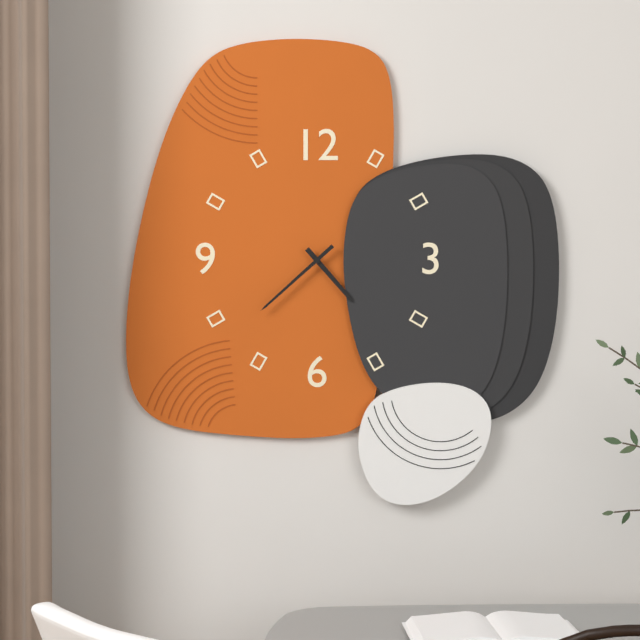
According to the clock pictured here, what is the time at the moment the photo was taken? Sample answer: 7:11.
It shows 4:38
